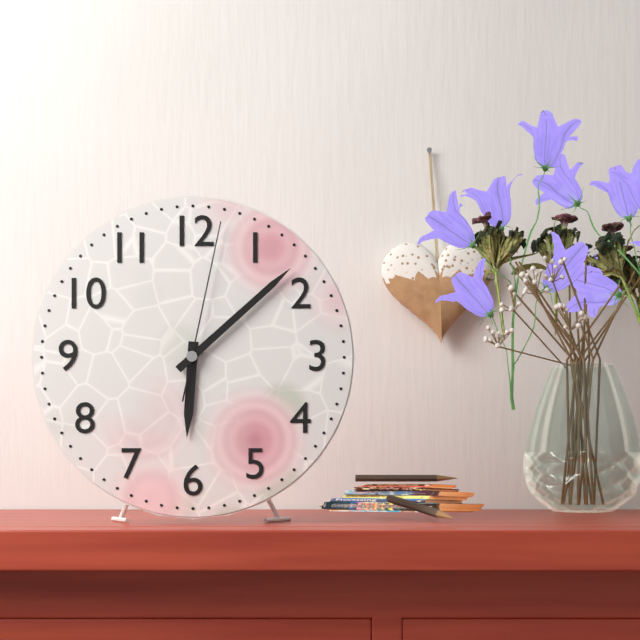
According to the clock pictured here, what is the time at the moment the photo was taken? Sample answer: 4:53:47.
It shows 6:08:02
